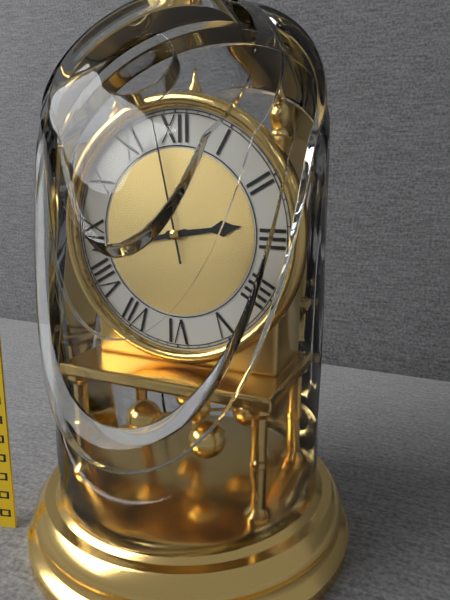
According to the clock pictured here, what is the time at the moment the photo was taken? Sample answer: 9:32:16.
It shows 2:43:58
